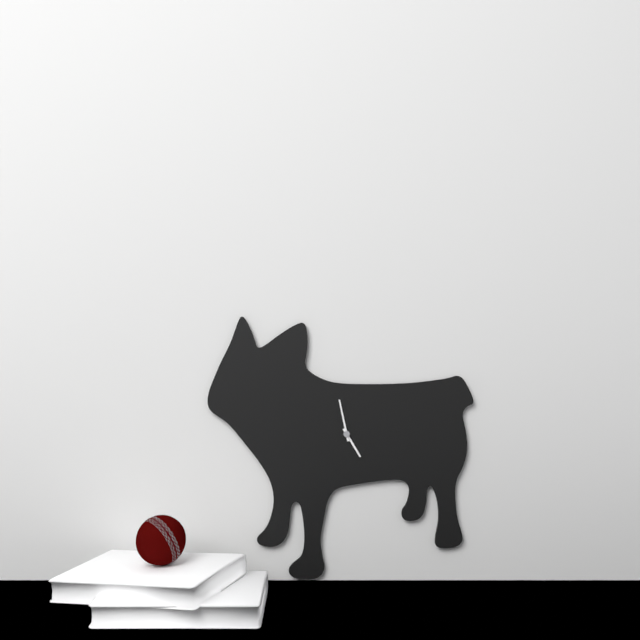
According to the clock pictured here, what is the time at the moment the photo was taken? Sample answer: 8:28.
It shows 4:58
